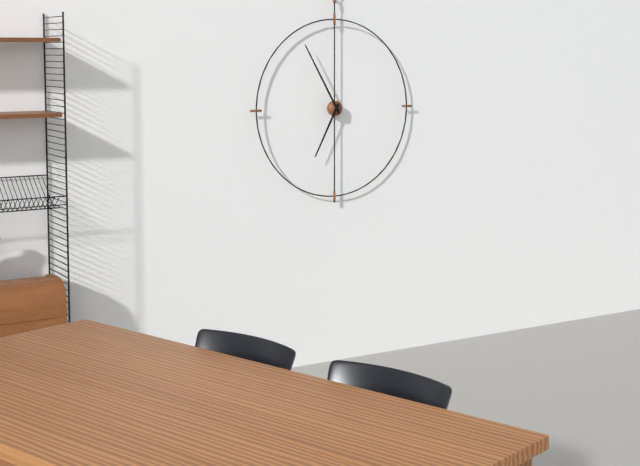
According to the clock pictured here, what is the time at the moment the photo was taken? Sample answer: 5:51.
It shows 6:55
